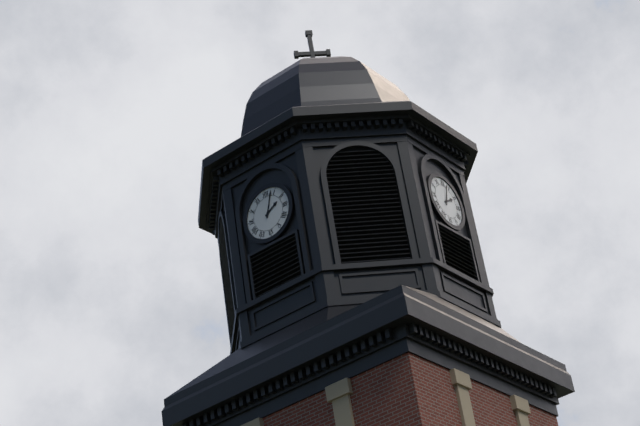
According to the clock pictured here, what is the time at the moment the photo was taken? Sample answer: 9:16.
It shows 2:03
